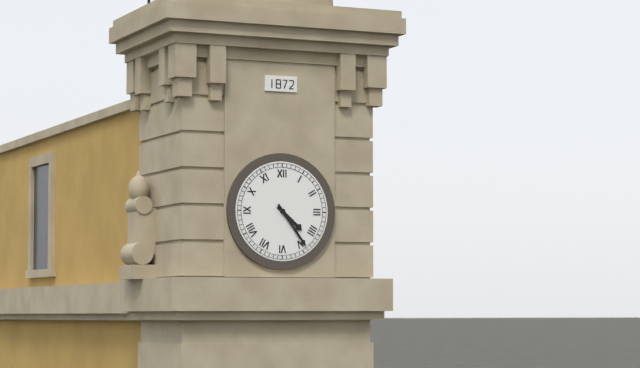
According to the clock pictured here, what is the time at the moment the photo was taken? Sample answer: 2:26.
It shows 4:24
